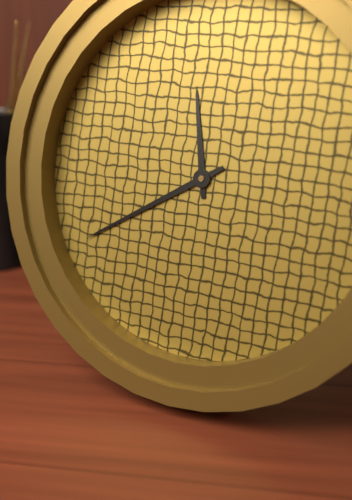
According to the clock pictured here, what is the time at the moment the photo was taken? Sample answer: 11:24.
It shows 11:40
